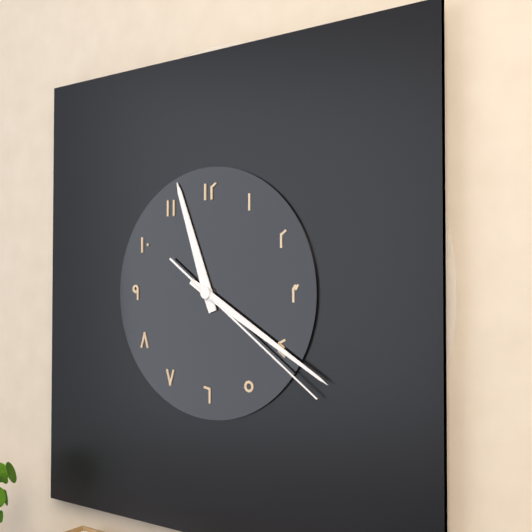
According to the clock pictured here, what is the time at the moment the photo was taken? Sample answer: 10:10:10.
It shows 11:20:21
